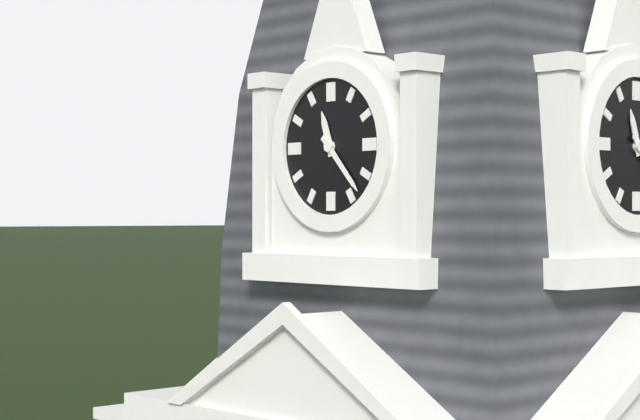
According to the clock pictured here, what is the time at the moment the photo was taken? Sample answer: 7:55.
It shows 11:23
